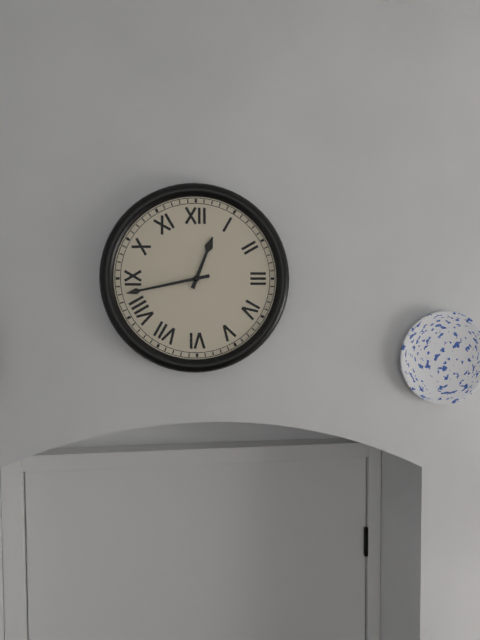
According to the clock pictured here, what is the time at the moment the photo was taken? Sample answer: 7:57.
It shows 12:43
